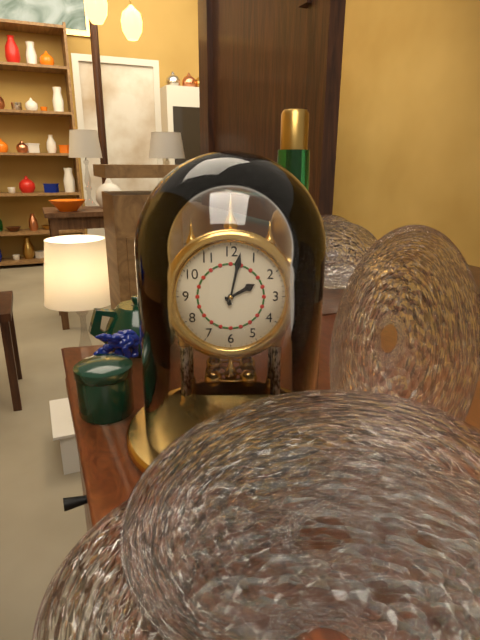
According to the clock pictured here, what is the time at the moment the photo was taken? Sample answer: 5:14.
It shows 2:02
